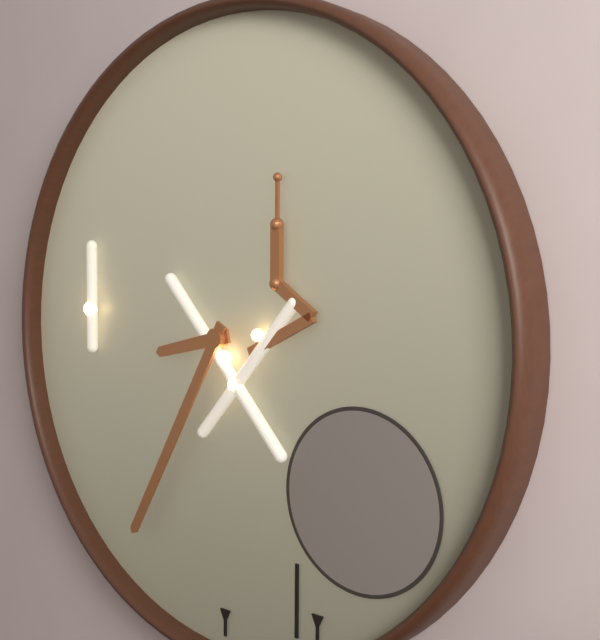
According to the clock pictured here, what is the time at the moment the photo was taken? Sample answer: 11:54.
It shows 8:35
